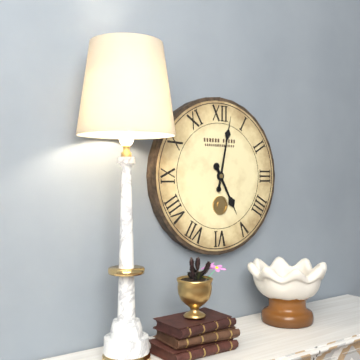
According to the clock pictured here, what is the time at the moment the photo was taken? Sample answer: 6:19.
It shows 5:02
